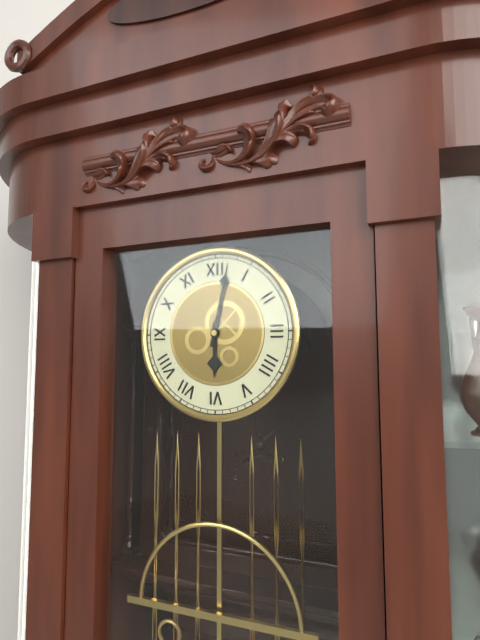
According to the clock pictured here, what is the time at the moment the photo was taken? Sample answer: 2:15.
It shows 6:02
